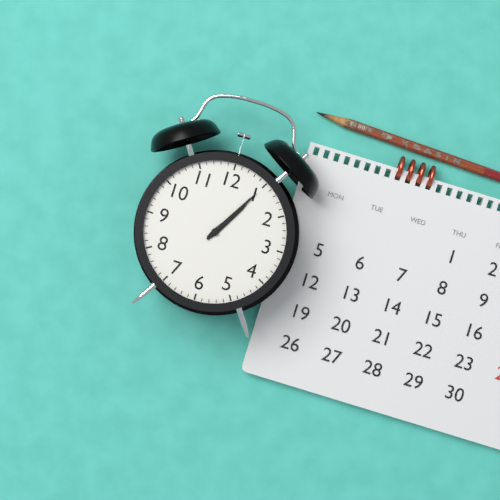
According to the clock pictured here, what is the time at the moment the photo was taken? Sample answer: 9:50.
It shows 1:05
